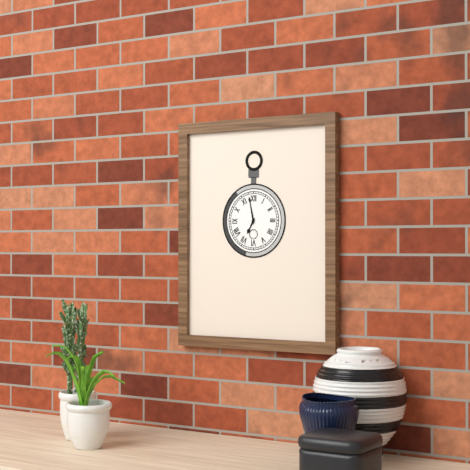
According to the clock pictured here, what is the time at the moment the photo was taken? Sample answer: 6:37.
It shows 6:58
